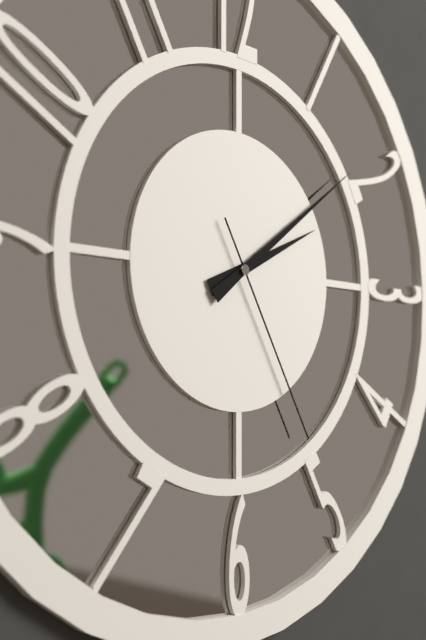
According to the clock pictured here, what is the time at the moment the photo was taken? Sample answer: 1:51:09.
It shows 2:09:25
